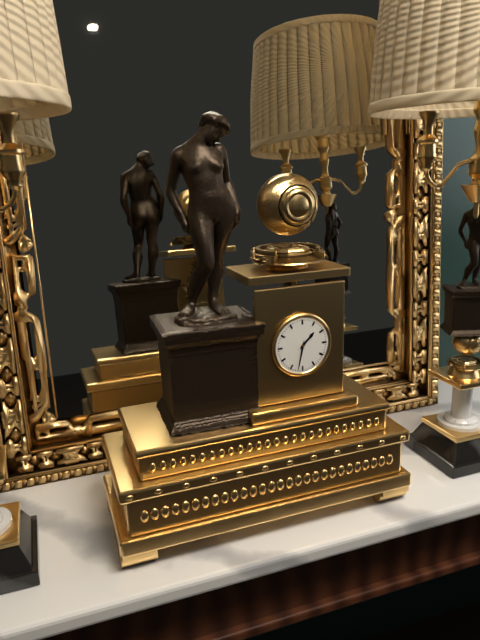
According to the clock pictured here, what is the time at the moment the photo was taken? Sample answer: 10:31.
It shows 1:32
